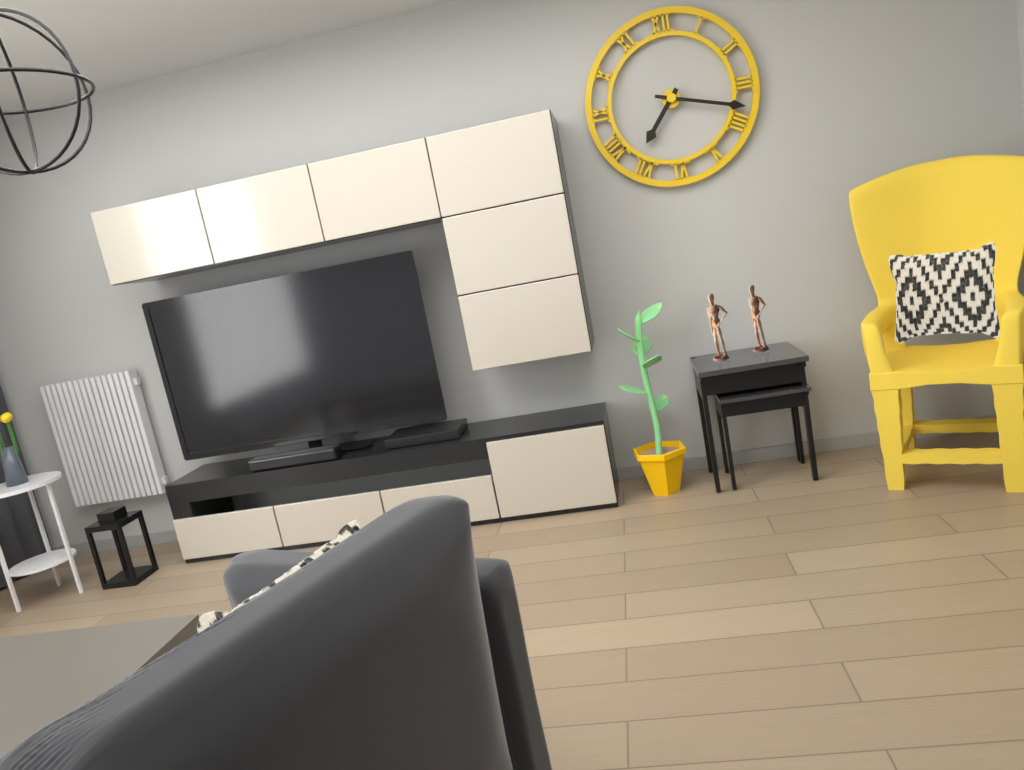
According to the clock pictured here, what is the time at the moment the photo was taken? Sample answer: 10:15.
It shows 7:18
